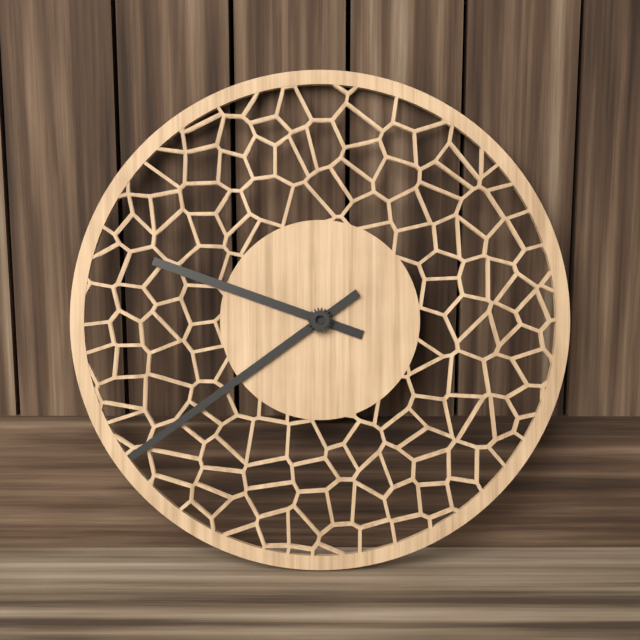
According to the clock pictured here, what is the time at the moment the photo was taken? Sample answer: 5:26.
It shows 9:39
